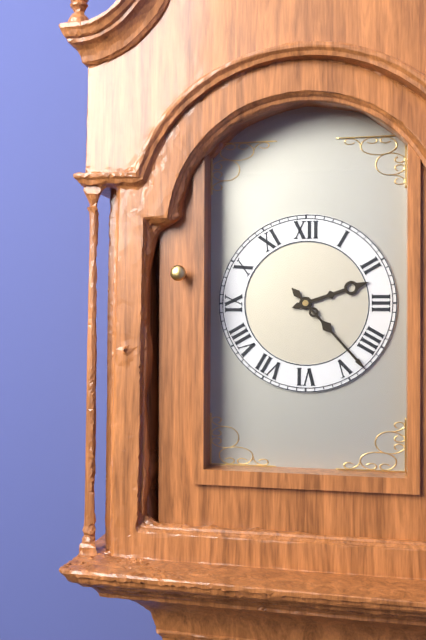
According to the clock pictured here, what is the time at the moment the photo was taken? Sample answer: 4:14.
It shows 2:23
